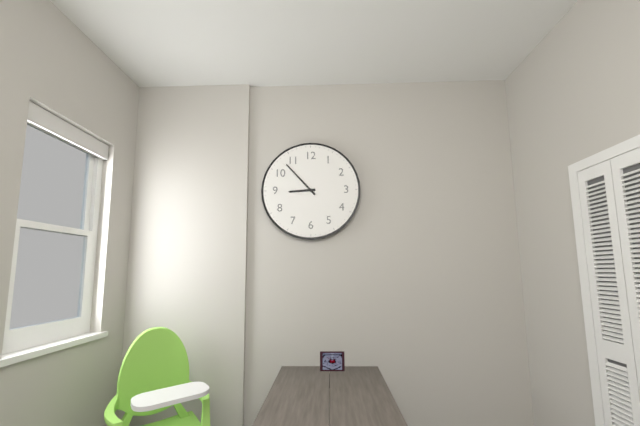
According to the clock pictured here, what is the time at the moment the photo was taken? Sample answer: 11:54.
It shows 8:53
